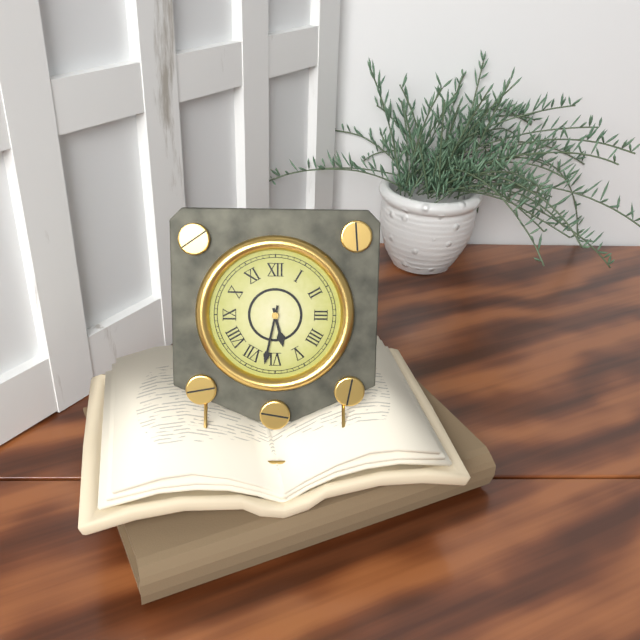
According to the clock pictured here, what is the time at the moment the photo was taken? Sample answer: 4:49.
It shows 5:32
